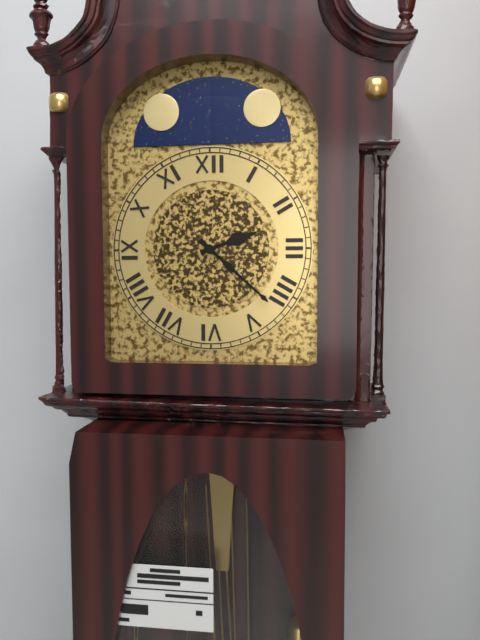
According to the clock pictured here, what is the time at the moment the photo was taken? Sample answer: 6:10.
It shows 2:22
